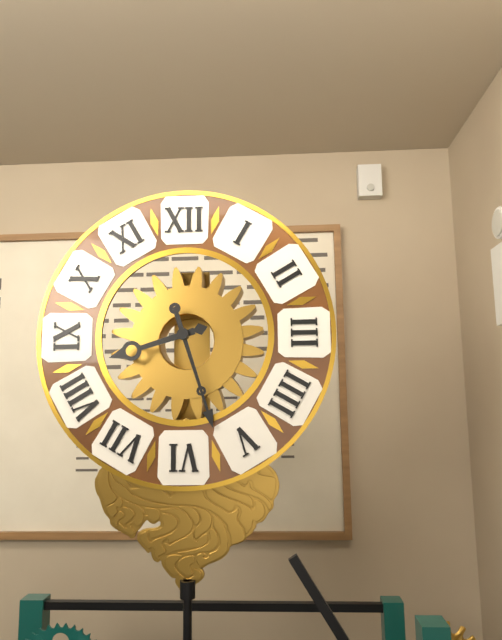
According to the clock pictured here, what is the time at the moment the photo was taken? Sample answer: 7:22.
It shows 8:27
